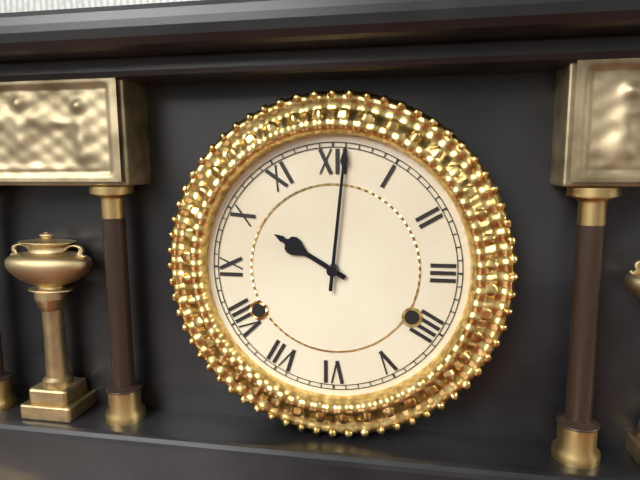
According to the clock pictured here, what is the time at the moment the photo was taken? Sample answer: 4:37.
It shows 10:01
